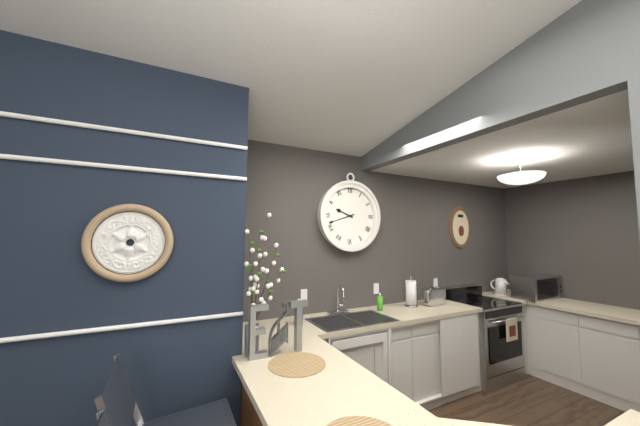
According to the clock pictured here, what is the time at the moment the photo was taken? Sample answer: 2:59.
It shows 9:42
